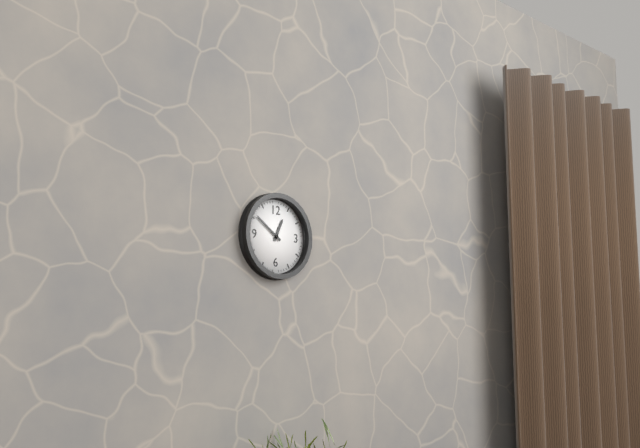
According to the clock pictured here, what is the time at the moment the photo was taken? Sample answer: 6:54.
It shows 12:51
